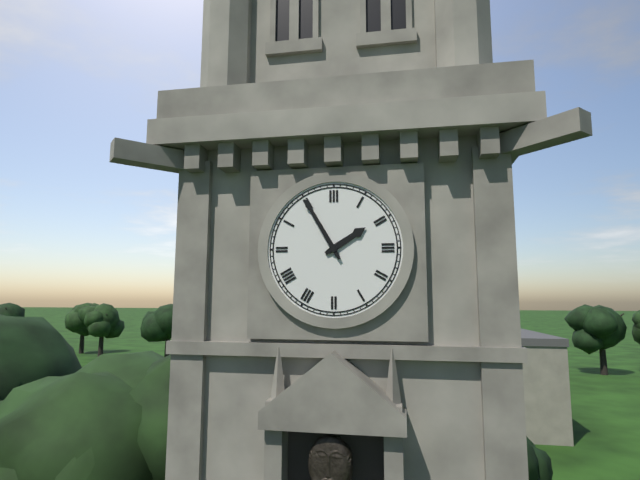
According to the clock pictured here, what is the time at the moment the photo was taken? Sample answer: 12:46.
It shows 1:55
